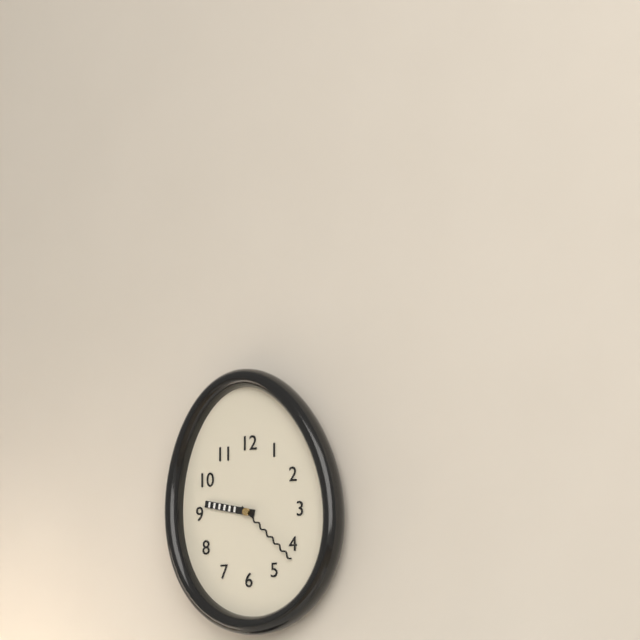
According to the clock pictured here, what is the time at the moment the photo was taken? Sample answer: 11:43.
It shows 9:22
